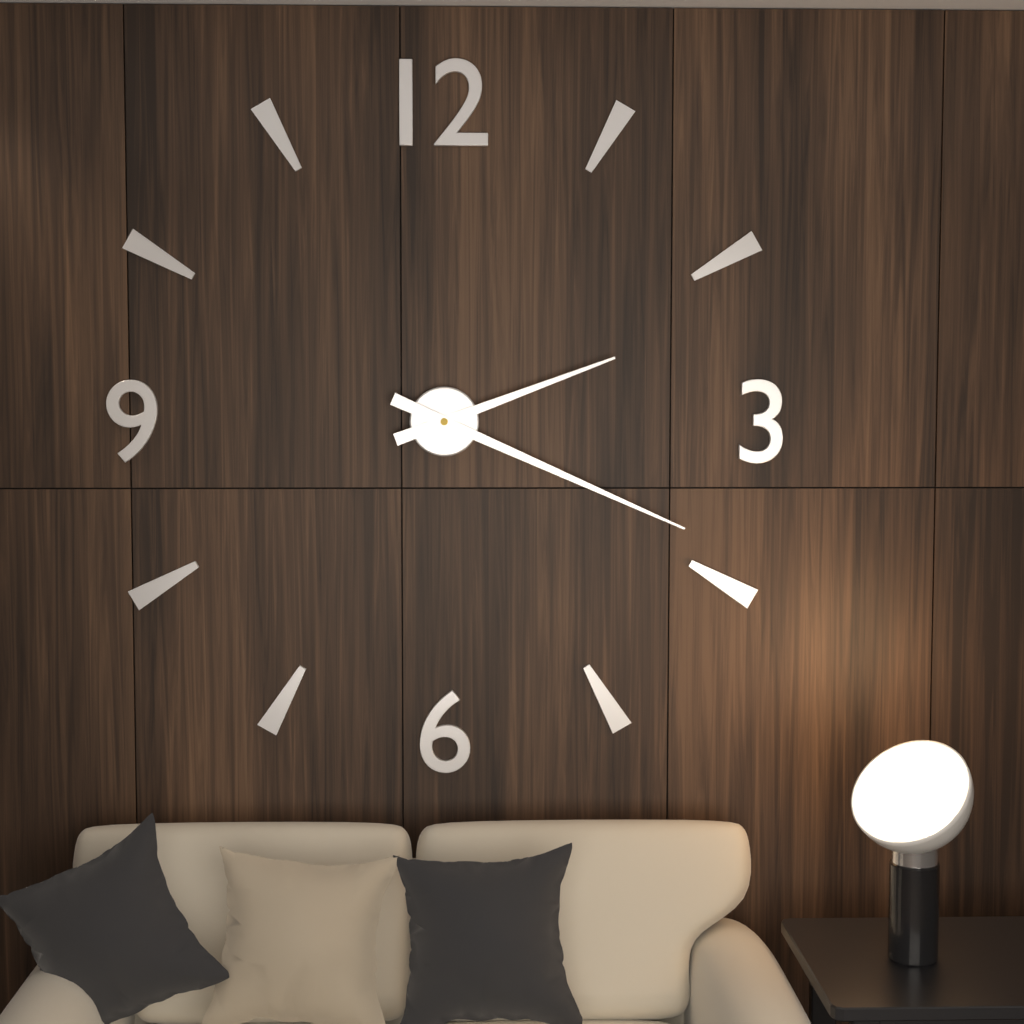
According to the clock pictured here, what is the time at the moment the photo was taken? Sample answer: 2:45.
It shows 2:19
